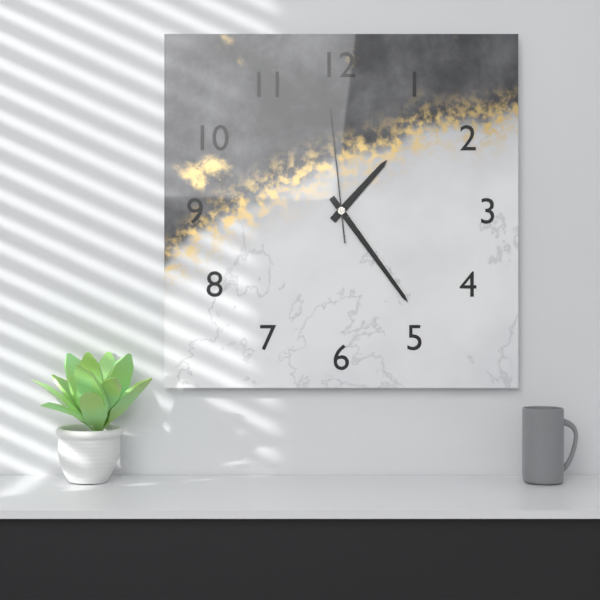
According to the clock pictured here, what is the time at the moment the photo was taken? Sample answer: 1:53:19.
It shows 1:24:59
